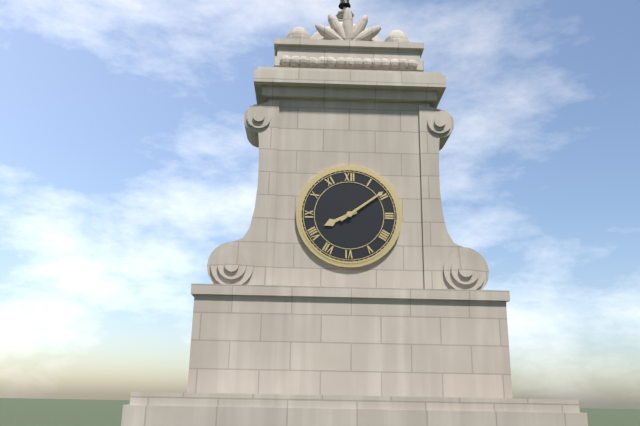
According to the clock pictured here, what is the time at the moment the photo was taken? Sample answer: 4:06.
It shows 8:09
